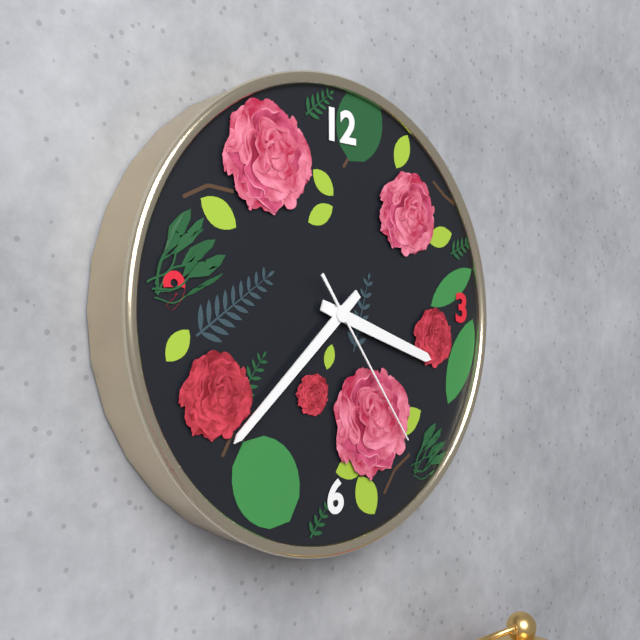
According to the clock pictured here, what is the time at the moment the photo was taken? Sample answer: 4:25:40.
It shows 3:38:24
